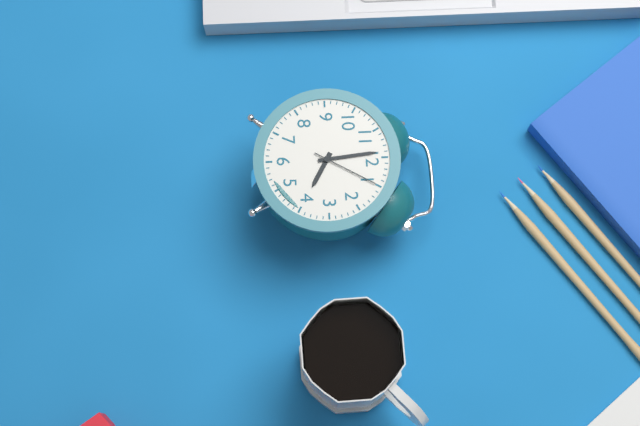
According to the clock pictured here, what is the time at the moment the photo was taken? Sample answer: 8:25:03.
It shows 3:59:05
